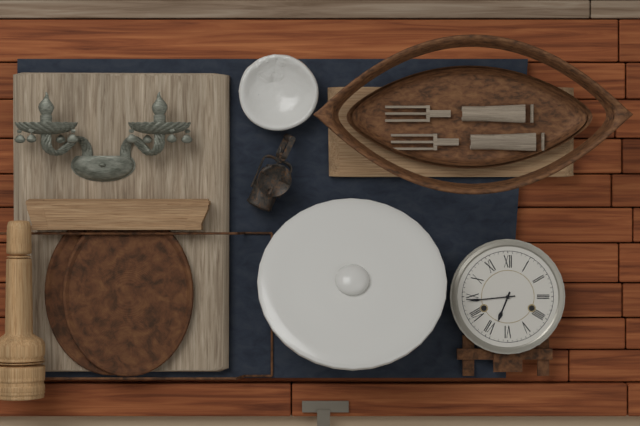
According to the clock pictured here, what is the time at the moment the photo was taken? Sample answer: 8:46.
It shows 6:44
